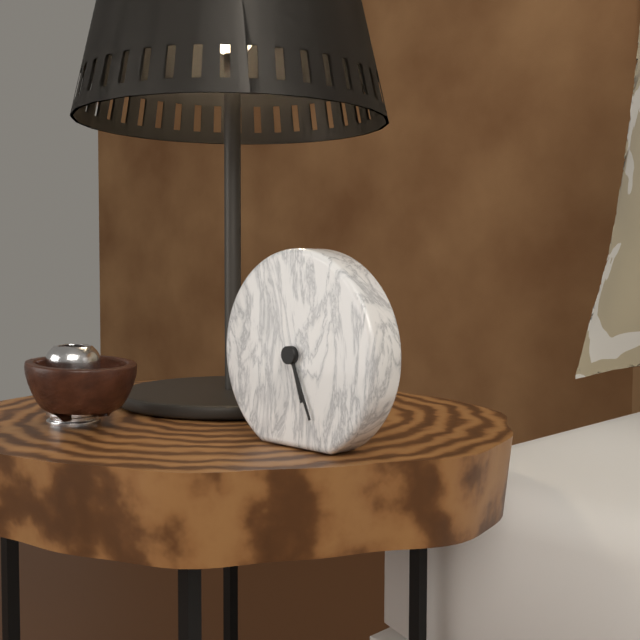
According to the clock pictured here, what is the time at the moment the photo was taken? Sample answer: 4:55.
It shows 5:26
